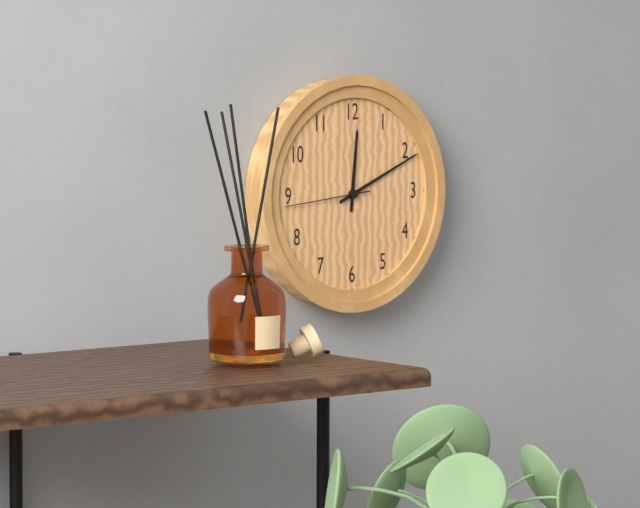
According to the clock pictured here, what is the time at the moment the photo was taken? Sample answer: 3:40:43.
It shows 12:11:44
